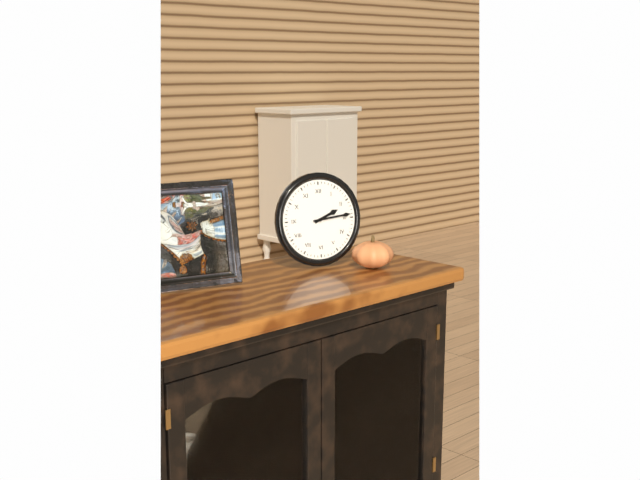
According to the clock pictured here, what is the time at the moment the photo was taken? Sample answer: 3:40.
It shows 2:14
